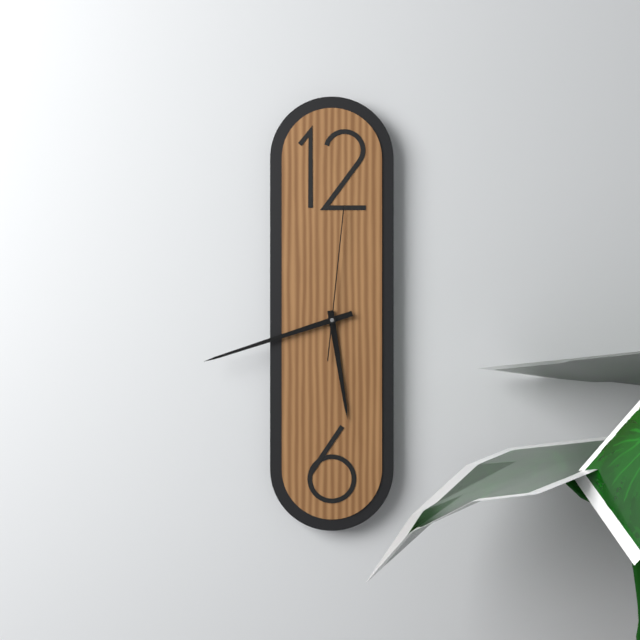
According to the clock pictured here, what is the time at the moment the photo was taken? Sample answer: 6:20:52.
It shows 5:42:01
